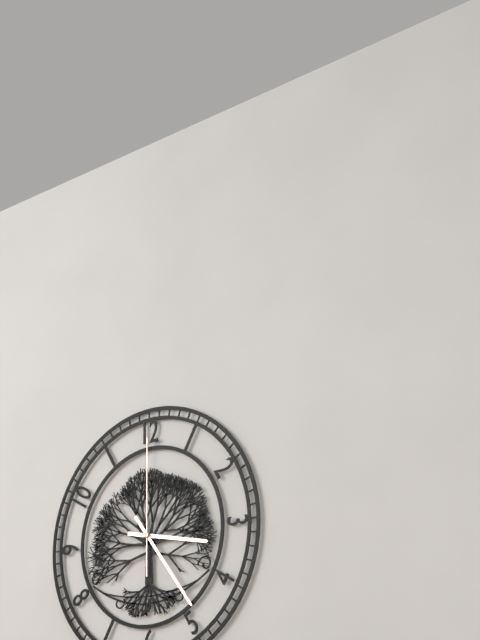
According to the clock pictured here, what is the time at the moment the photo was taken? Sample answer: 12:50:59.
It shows 3:24:00
